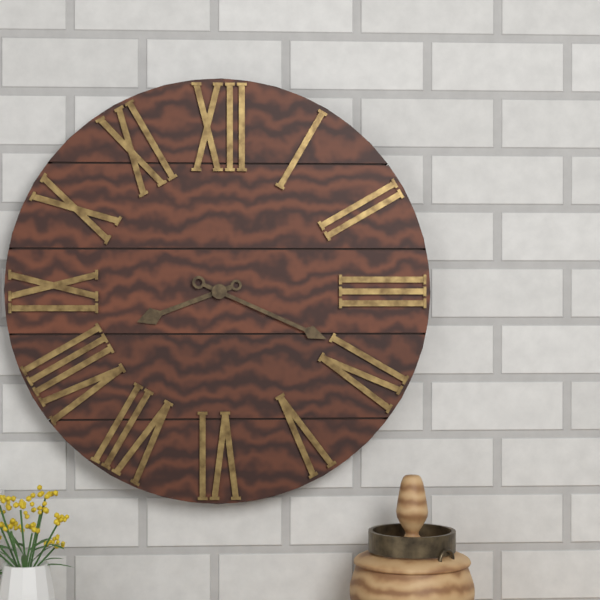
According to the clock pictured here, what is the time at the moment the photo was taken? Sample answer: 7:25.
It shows 8:19
